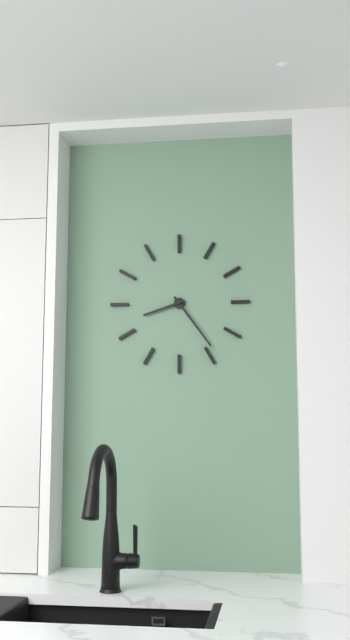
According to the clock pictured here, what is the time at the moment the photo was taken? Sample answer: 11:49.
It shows 8:24
